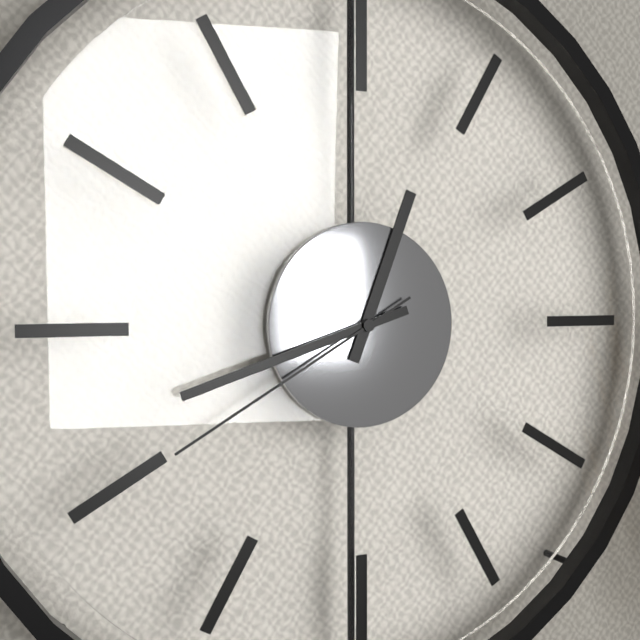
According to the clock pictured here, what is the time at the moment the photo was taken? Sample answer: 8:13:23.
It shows 12:42:40
